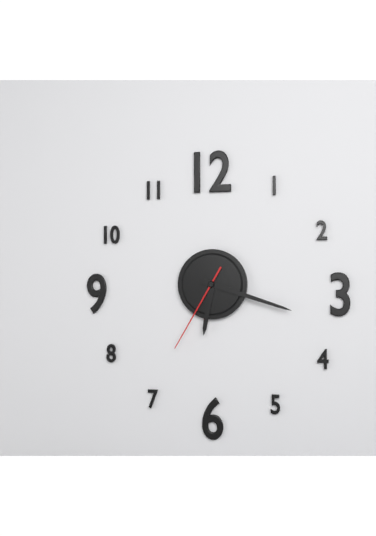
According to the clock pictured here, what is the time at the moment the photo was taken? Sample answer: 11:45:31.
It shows 6:18:35
